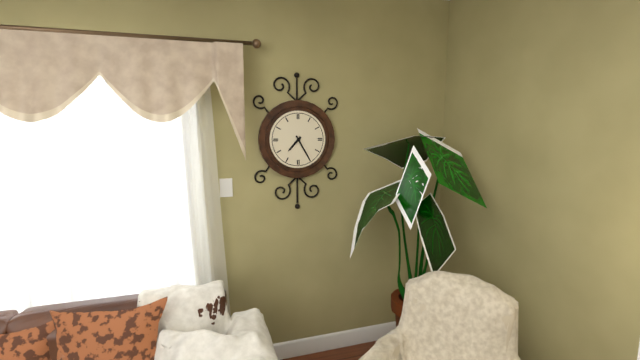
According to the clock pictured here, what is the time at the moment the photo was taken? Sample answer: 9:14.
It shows 7:25
